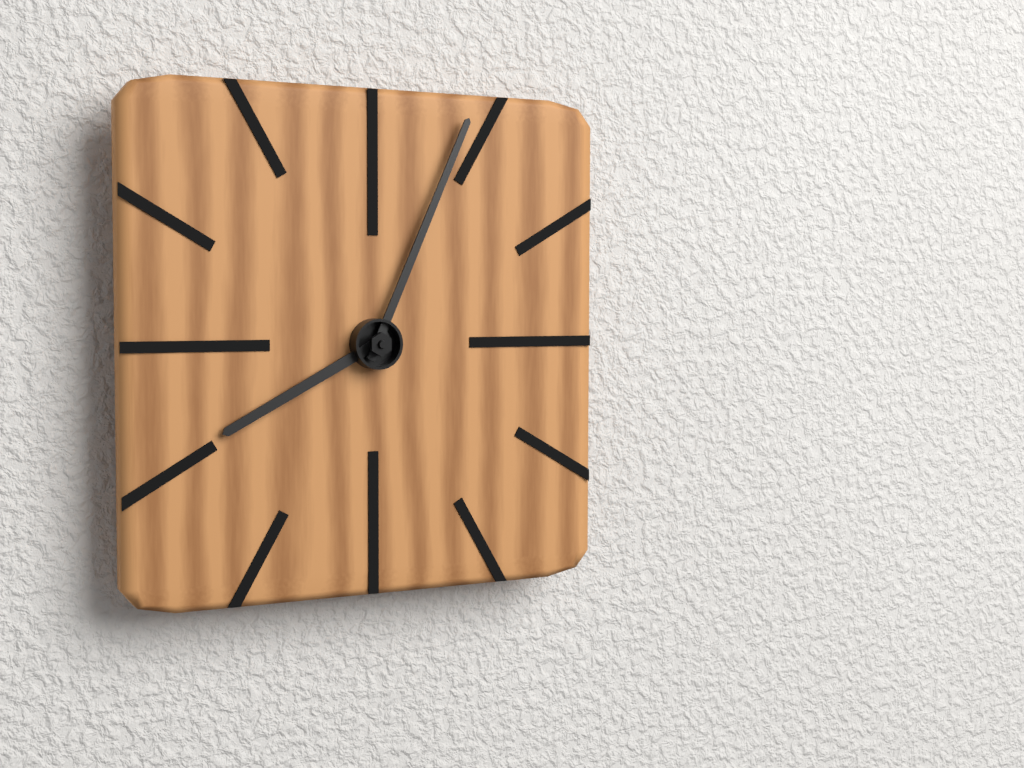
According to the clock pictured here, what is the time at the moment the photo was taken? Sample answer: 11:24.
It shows 8:04
